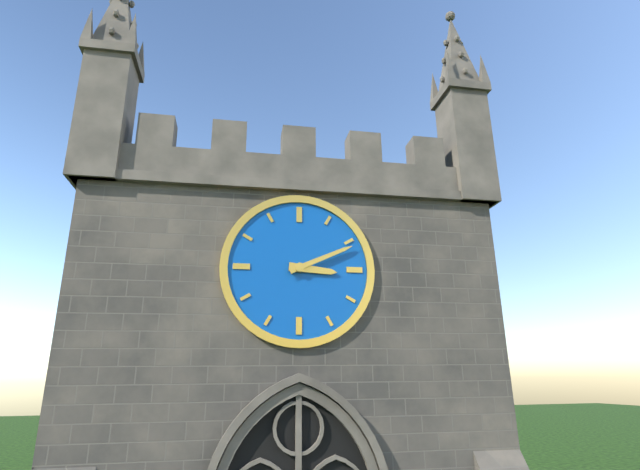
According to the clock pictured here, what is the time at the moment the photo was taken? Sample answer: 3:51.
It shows 3:11
